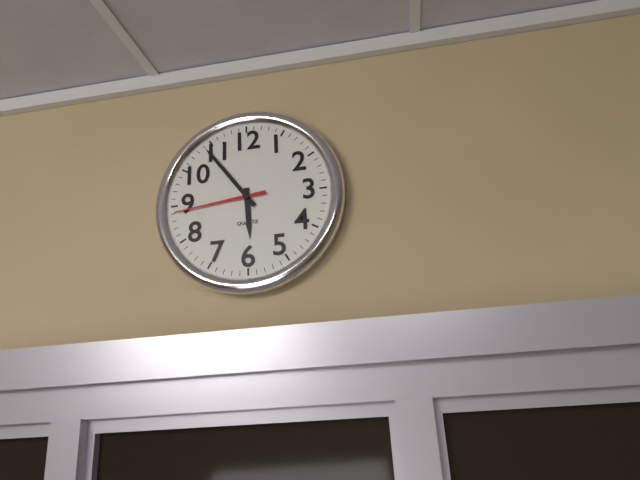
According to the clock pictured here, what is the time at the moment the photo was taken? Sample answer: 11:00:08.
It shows 5:54:44
